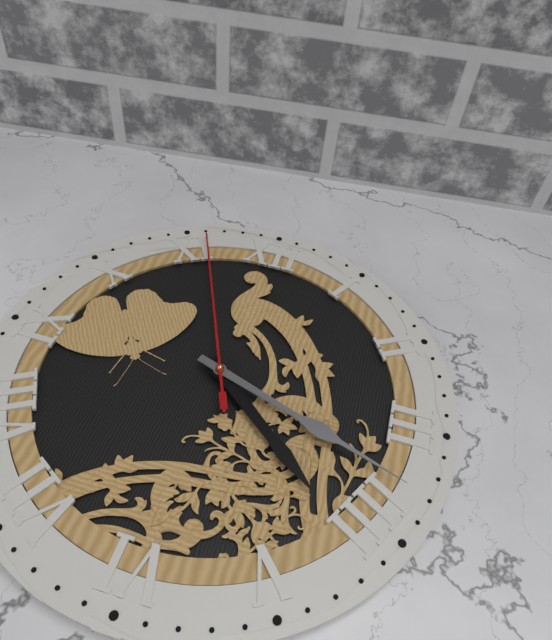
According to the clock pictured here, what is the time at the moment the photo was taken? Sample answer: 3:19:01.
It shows 4:18:56
